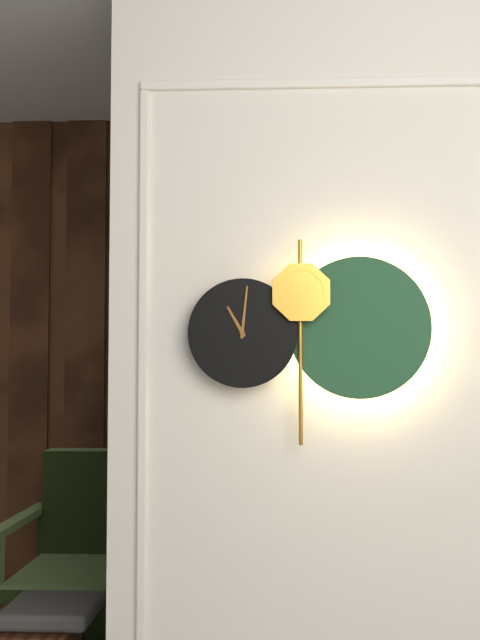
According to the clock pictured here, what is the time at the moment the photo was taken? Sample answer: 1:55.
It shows 11:01
